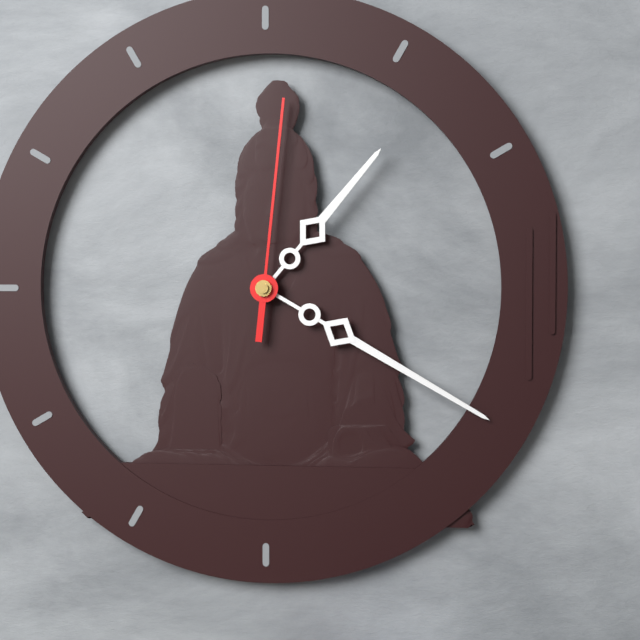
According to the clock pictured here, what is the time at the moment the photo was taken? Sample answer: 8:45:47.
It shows 1:20:01
